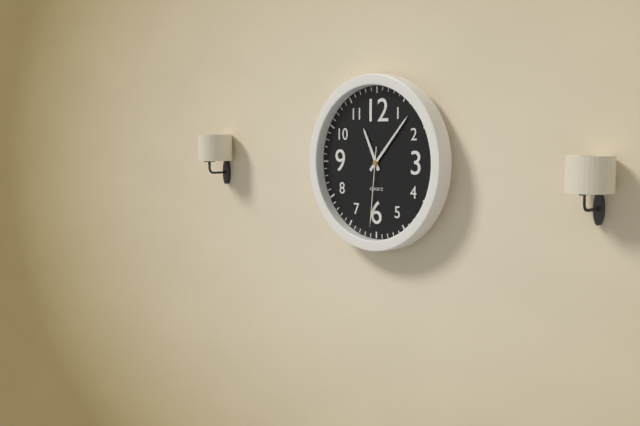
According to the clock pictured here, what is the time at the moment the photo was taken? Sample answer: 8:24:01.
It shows 11:07:31
